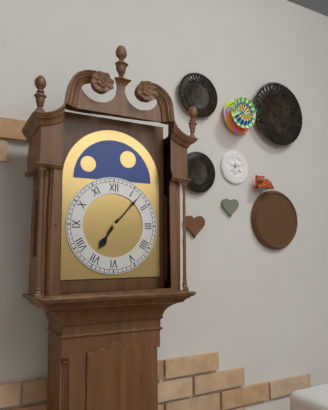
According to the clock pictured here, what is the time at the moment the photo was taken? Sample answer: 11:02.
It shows 7:07
